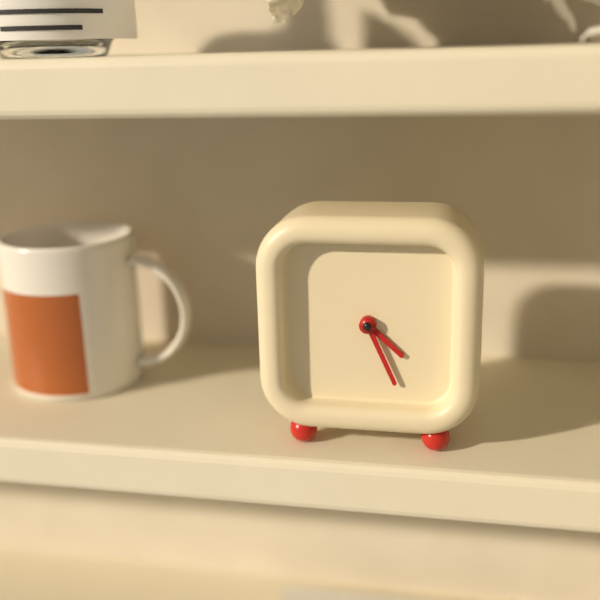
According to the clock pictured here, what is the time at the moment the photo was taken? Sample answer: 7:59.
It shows 4:26
